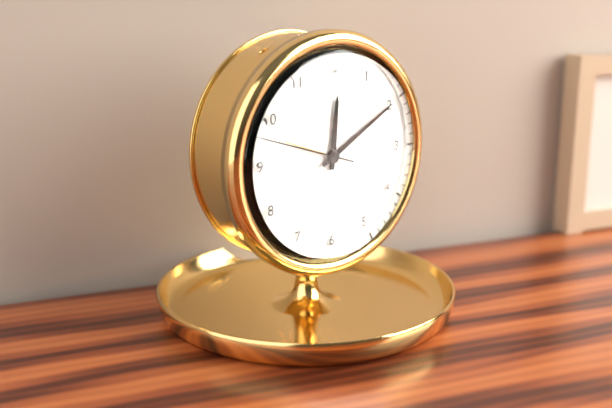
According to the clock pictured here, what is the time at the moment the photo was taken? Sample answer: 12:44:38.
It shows 12:10:48
